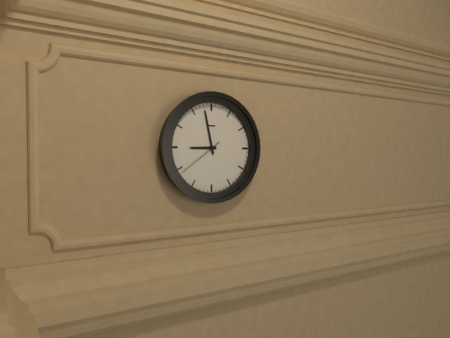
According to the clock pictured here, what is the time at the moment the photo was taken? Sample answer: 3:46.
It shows 8:58
